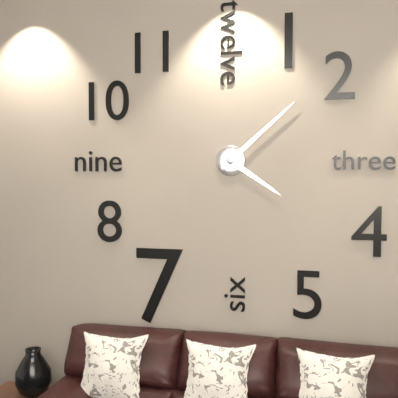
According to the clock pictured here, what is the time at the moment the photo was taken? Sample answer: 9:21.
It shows 4:08
